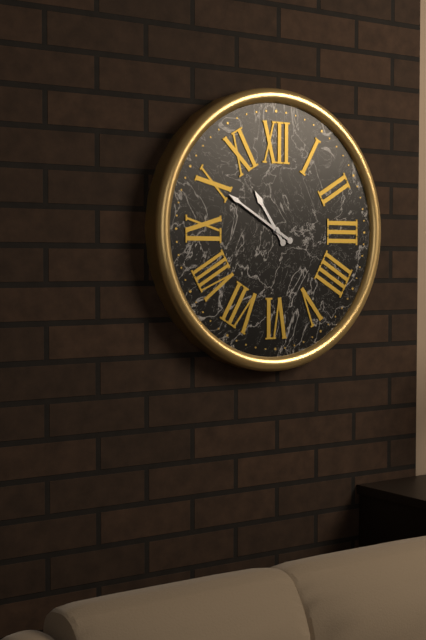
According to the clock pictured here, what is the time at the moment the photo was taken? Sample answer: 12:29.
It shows 10:50
